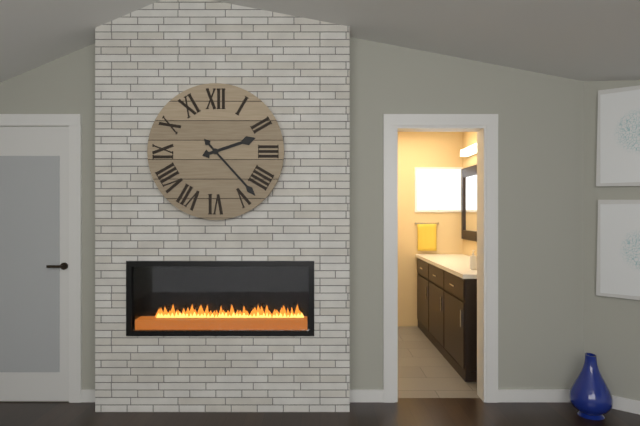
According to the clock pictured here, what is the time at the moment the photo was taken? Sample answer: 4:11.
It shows 2:23
